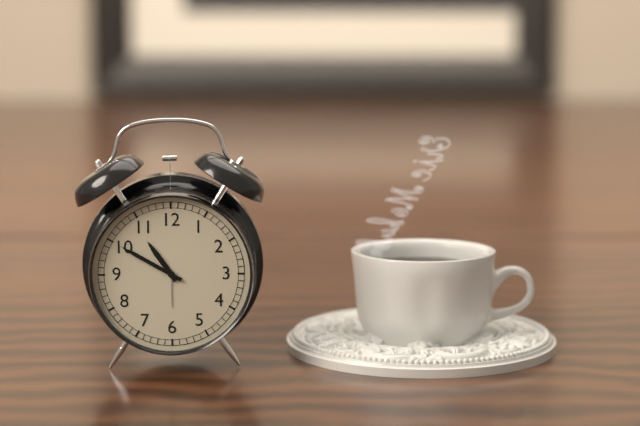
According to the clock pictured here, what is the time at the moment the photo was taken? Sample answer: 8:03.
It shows 10:50
